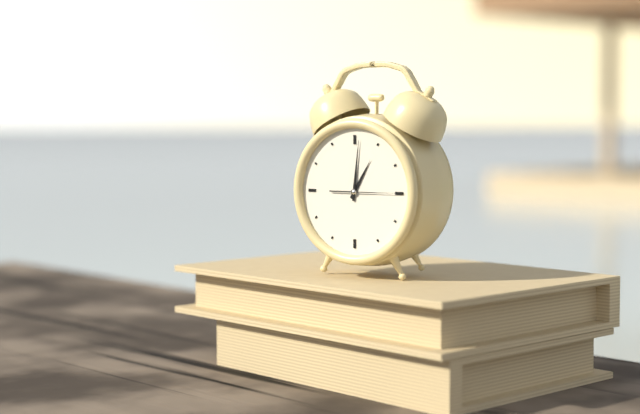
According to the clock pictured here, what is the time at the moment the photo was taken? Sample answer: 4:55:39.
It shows 1:01:15
